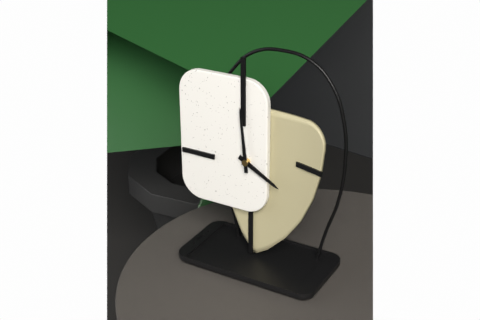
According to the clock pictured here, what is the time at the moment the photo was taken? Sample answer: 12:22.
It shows 3:59
